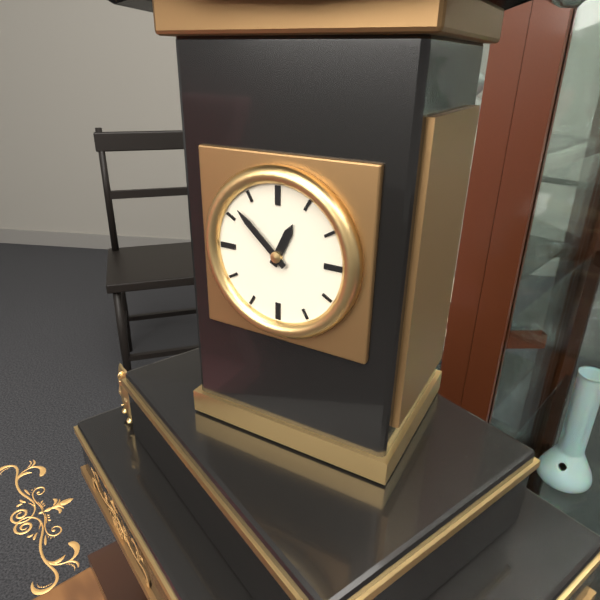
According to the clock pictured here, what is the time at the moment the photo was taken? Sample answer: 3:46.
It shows 12:52
